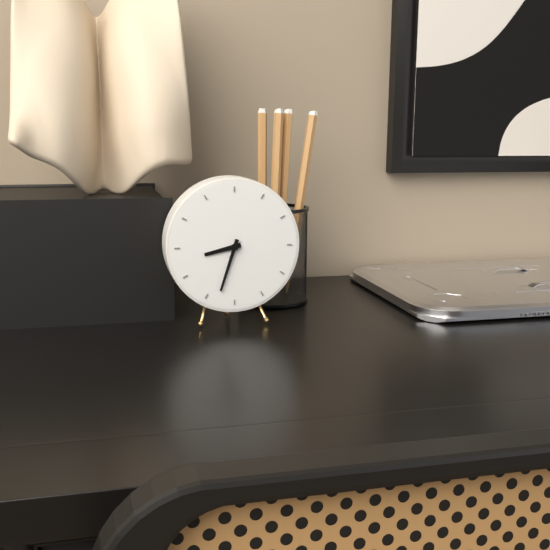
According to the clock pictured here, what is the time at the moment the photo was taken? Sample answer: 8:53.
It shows 8:33
